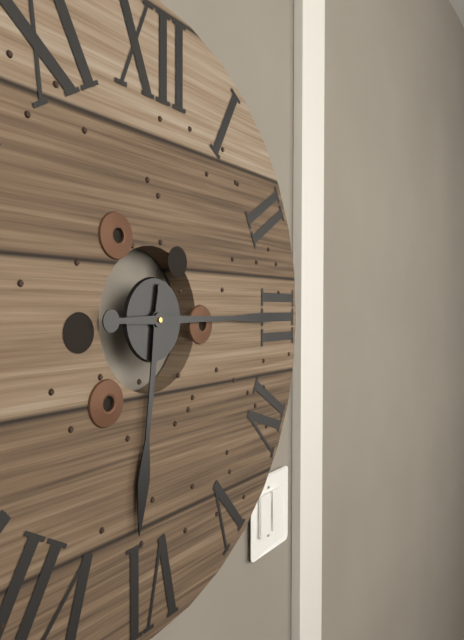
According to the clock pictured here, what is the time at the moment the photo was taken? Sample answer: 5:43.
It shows 6:15
